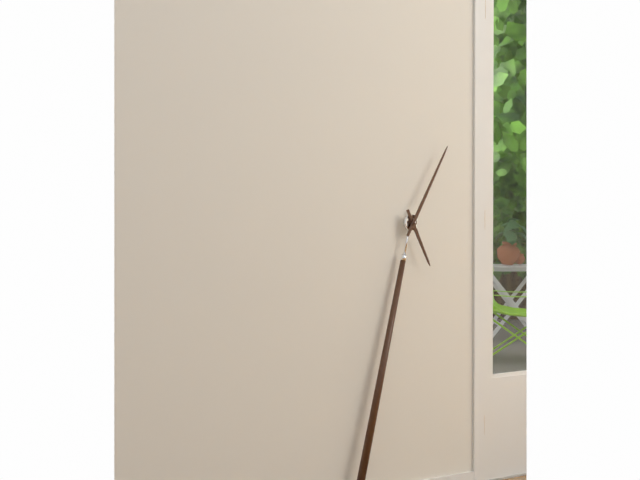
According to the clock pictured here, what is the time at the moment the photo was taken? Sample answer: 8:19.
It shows 5:05
